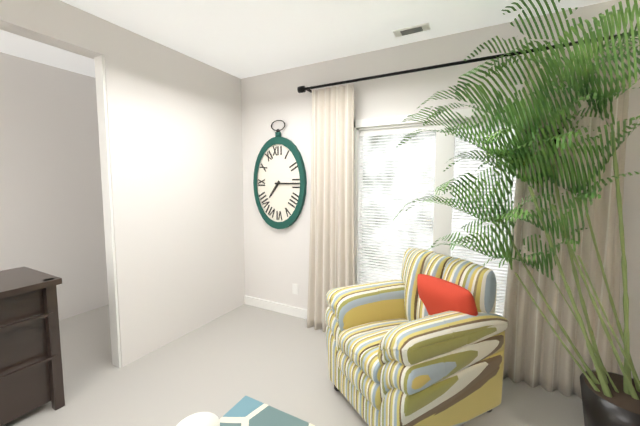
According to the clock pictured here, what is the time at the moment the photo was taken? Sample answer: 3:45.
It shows 7:15
